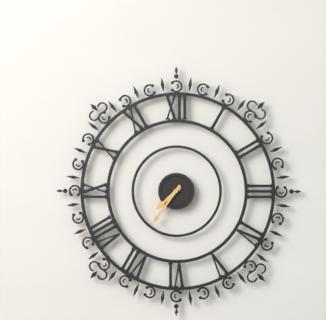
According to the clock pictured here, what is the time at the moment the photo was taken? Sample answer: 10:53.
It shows 7:36
